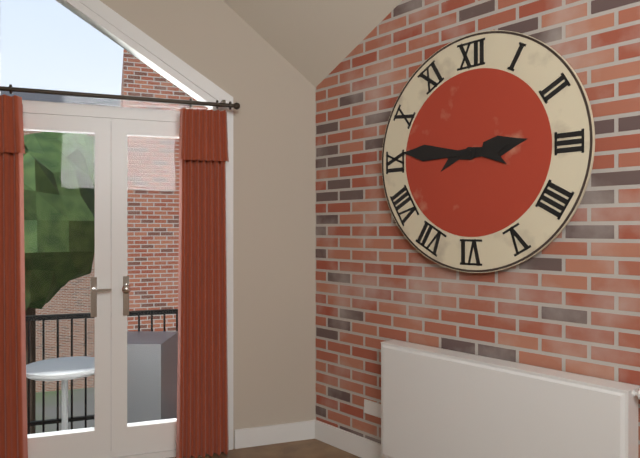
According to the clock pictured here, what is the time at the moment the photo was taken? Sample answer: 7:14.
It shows 2:46
